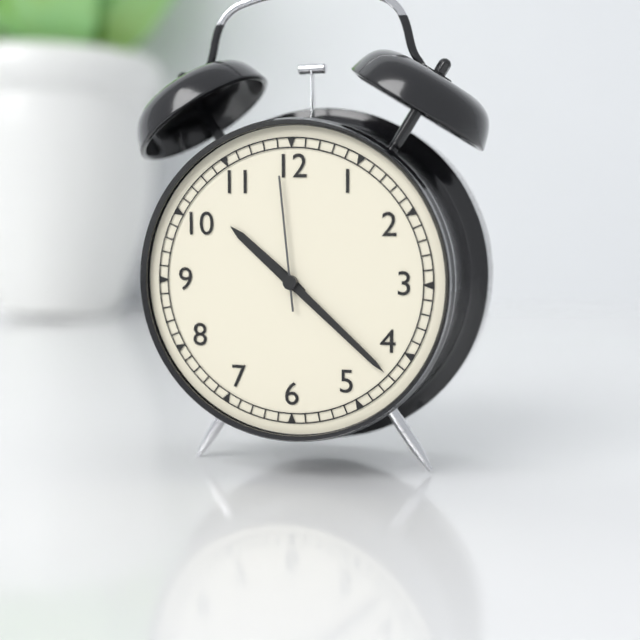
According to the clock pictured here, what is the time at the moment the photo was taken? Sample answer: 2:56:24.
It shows 10:22:59
